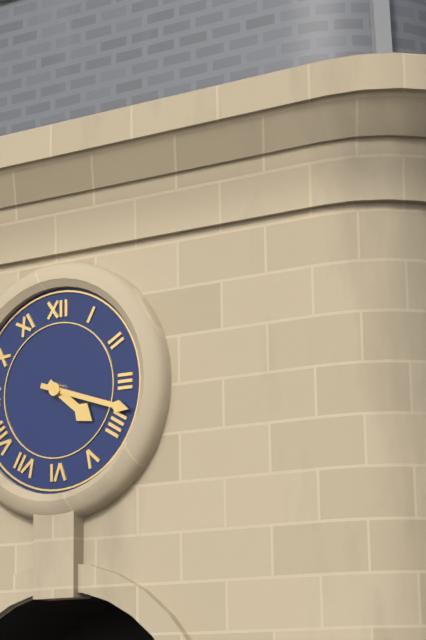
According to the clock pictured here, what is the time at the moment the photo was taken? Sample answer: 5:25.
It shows 4:18
